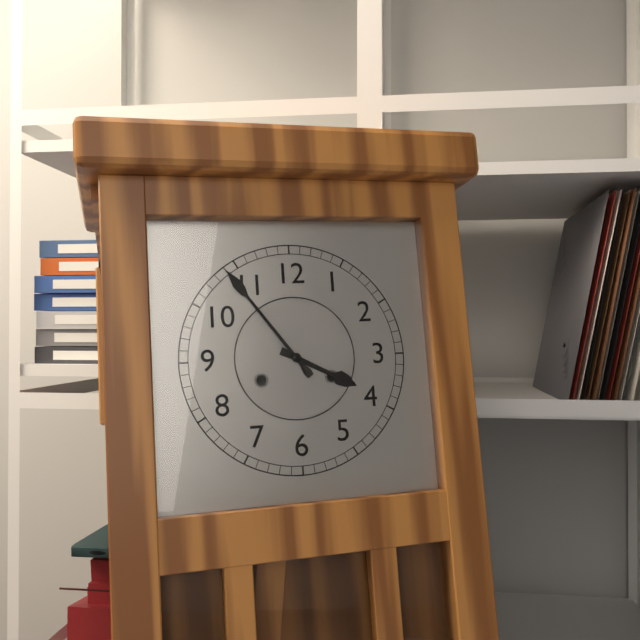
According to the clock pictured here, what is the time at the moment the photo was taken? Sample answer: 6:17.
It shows 3:54
